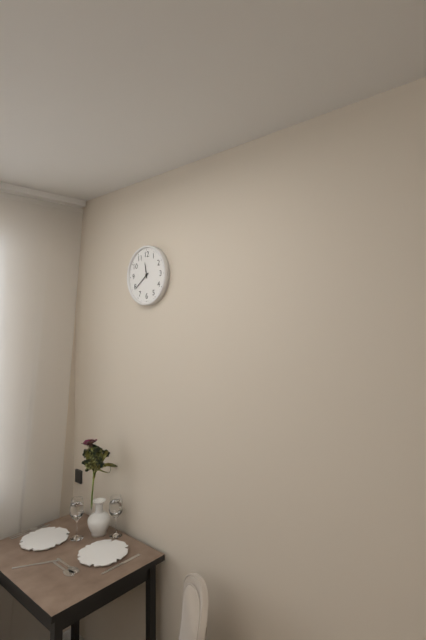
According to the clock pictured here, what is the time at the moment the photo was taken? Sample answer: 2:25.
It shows 11:39
